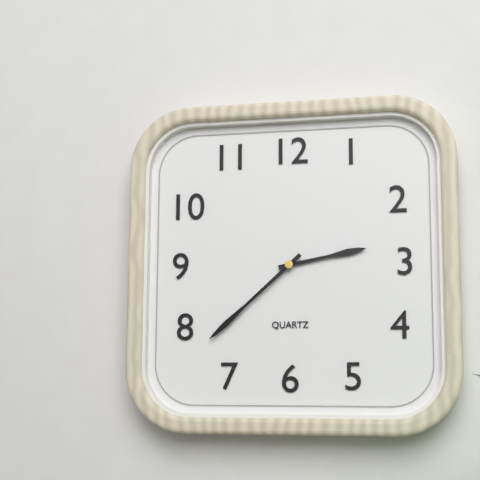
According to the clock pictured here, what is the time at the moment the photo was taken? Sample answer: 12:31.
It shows 2:38
